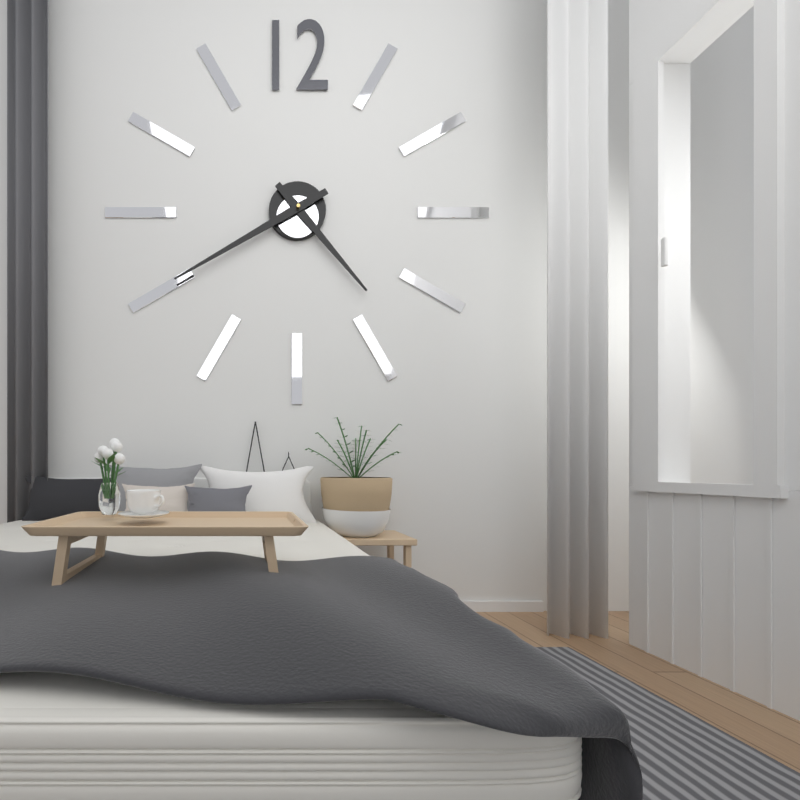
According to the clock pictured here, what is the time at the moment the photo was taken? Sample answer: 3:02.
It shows 4:40
